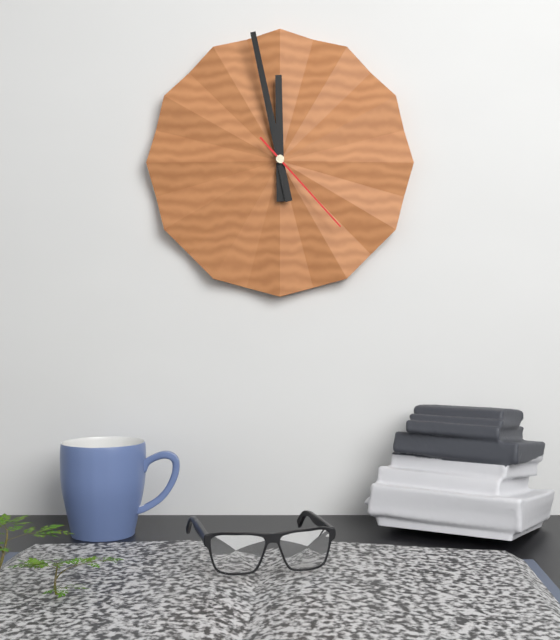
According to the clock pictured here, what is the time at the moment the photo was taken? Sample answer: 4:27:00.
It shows 11:58:23
